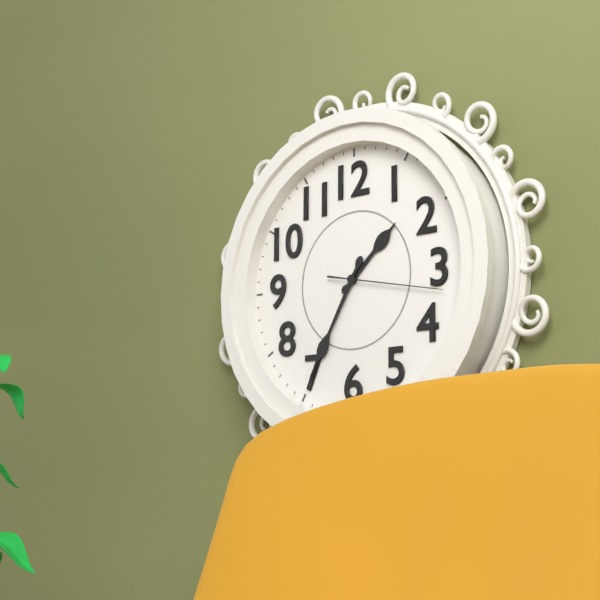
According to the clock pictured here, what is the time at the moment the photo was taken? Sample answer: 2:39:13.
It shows 1:35:17
